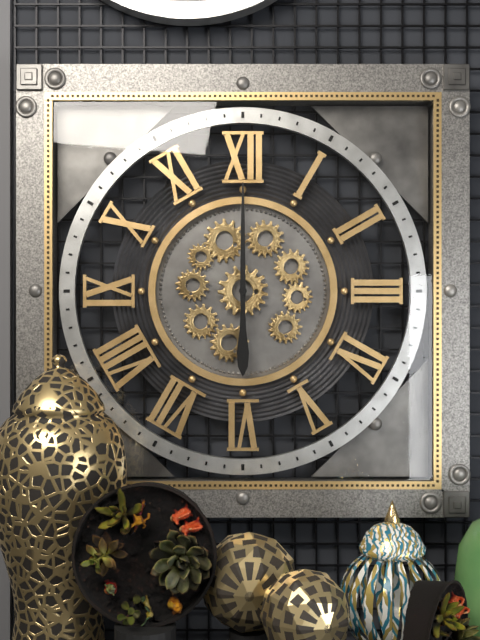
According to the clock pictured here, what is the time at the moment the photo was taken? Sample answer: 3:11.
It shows 6:00
